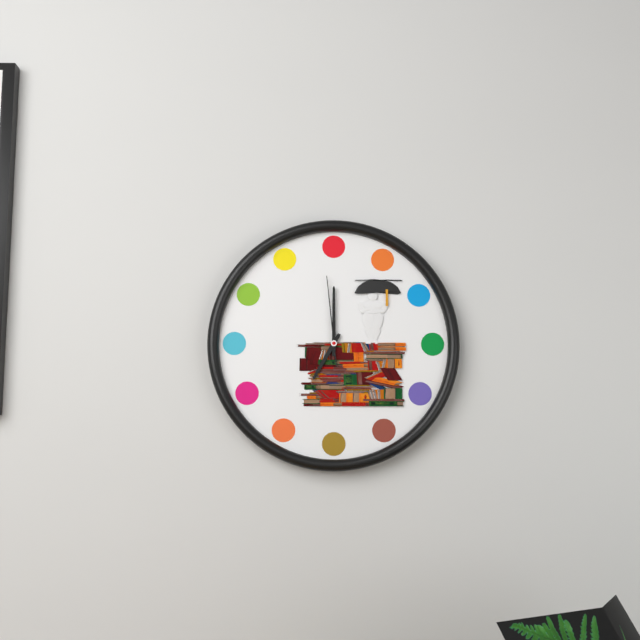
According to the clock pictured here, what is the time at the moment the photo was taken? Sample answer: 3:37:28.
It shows 7:00:59
